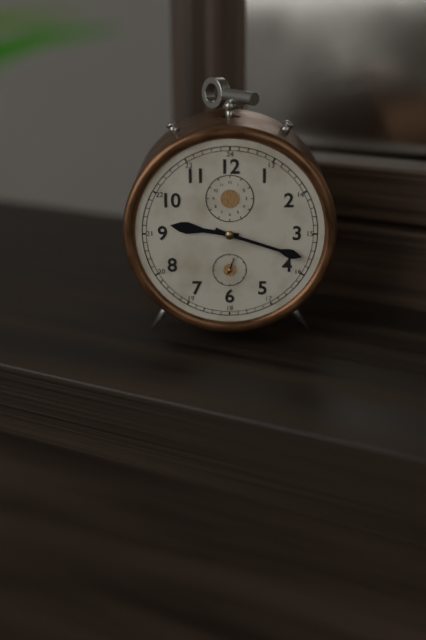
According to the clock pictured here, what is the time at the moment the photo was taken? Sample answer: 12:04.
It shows 9:18
